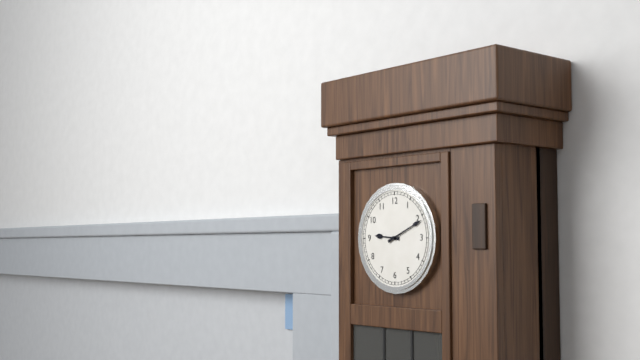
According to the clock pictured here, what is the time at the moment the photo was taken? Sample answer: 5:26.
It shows 9:11
